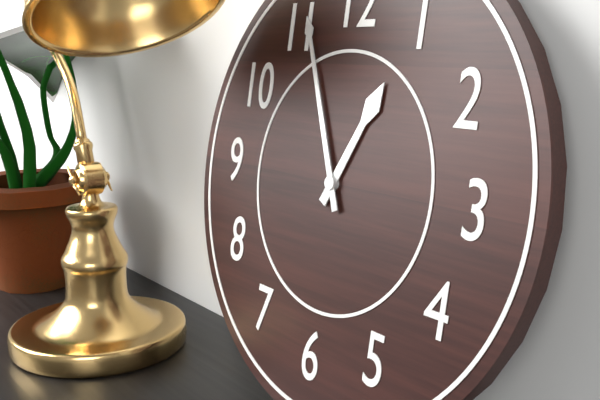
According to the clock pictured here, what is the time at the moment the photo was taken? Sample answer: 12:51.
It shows 12:56
